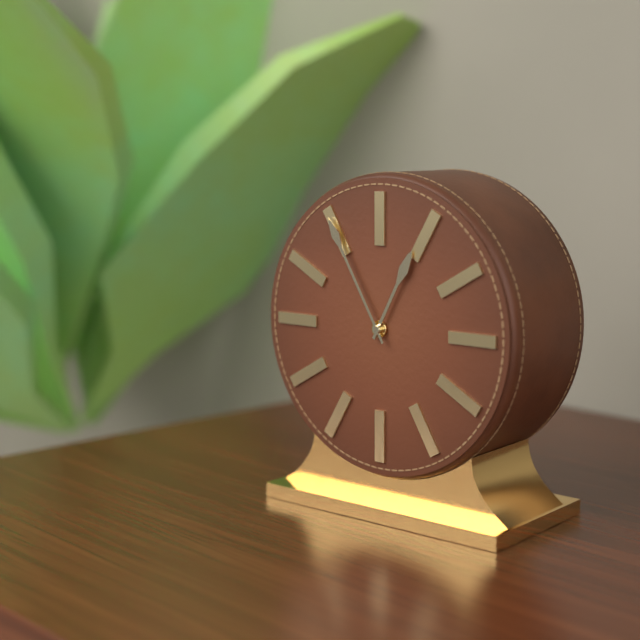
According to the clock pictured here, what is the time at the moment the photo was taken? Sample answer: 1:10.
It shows 12:55
